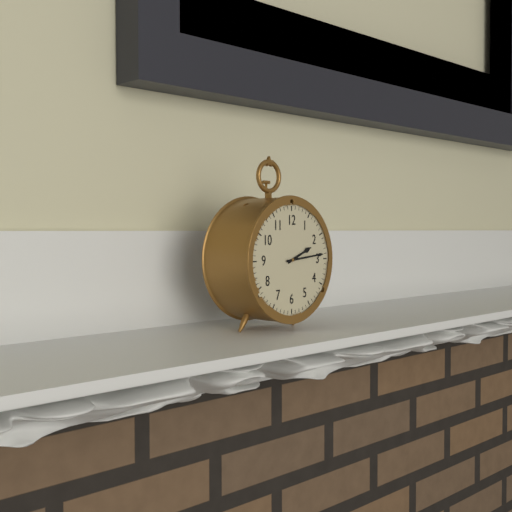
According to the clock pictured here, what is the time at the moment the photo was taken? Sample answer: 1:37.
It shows 2:14
